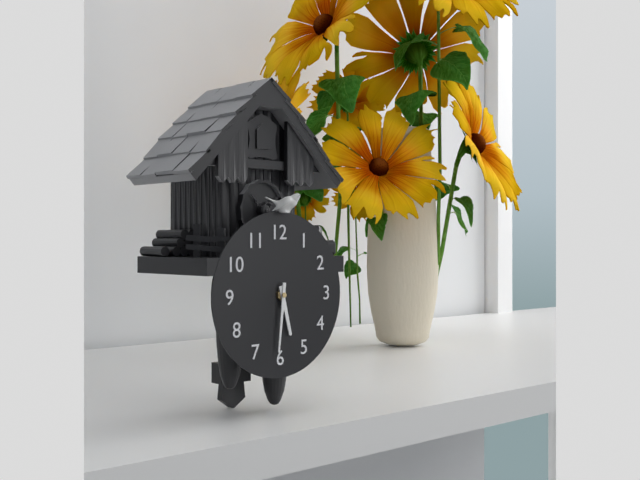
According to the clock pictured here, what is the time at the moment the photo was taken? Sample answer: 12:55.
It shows 5:31
